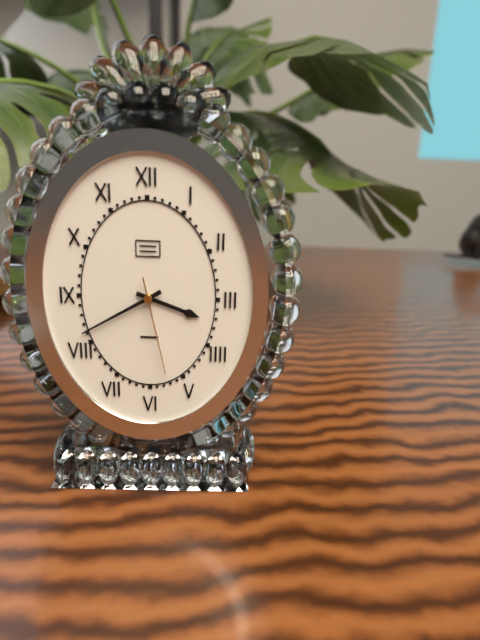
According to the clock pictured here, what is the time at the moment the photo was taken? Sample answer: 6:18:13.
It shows 3:40:28
